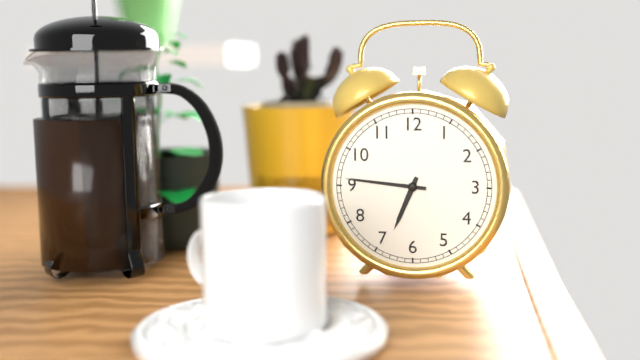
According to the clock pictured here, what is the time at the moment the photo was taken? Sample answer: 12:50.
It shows 6:46
